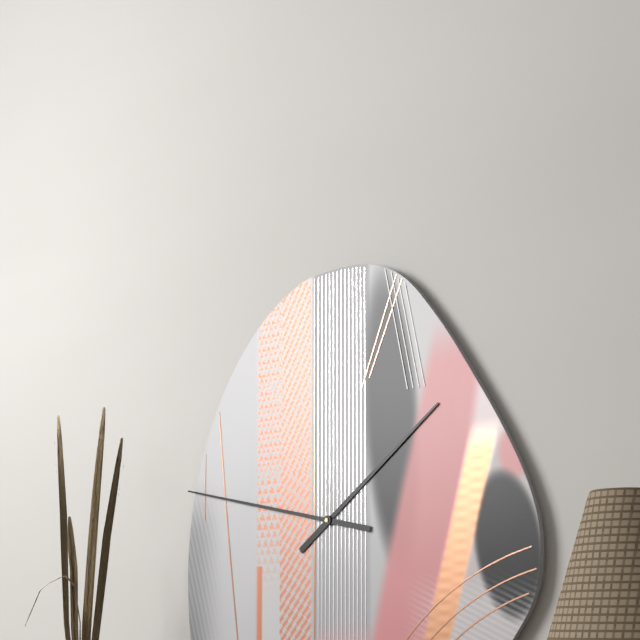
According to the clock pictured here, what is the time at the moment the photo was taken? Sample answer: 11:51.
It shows 1:47
